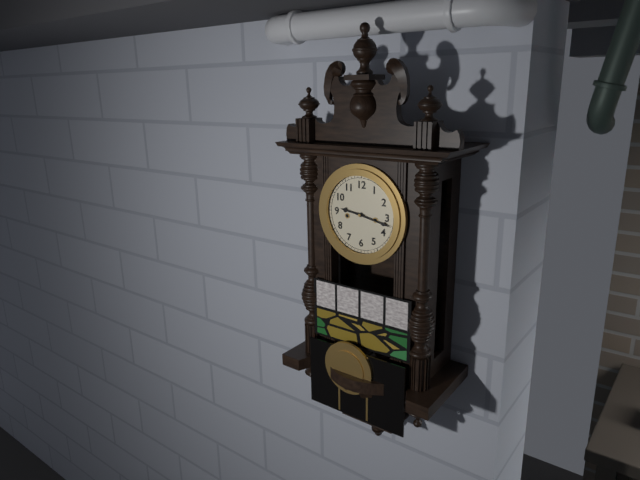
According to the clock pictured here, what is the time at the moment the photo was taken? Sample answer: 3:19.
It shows 9:17
